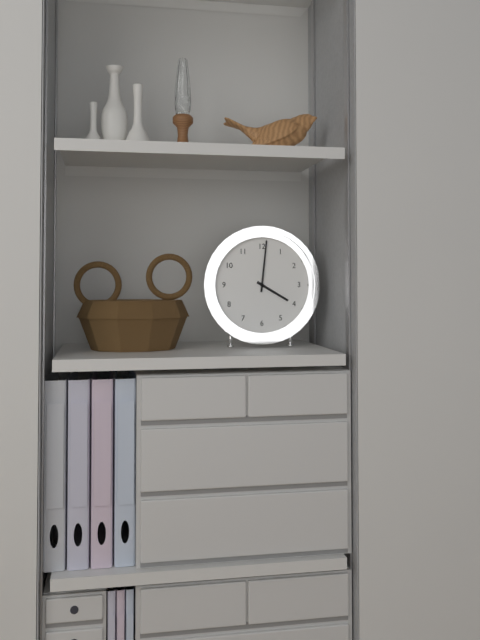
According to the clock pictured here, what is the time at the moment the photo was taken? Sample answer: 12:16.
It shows 4:01
